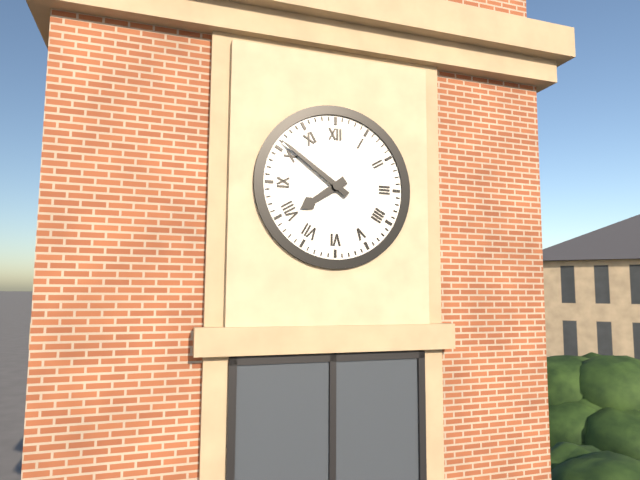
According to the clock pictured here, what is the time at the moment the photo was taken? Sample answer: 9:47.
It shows 7:51
